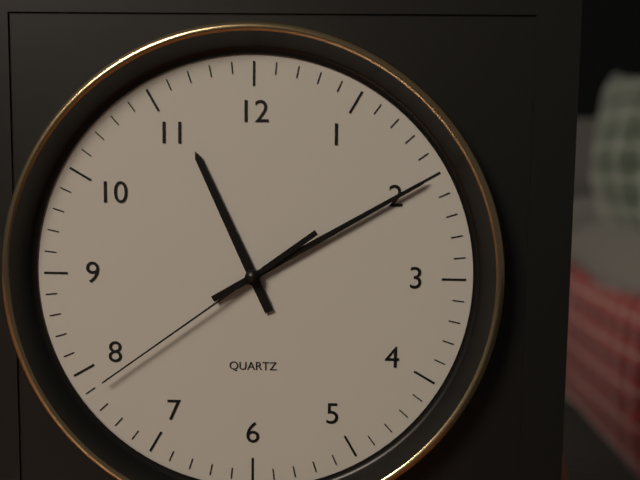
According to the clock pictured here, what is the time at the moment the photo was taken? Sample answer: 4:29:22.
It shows 11:10:39
